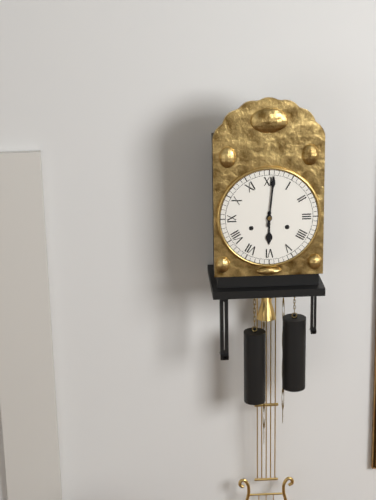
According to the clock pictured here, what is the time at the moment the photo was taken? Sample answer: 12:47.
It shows 6:01
